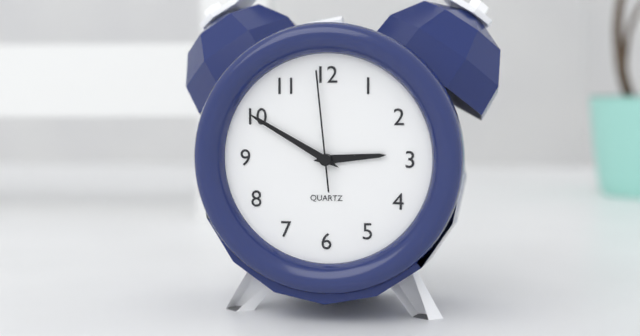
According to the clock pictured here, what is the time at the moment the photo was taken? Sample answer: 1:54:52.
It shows 2:50:59
